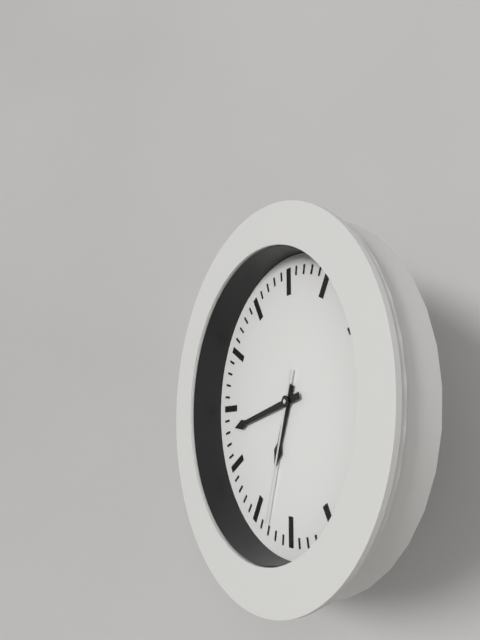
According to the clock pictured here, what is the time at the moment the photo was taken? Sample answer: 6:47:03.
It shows 6:43:33
